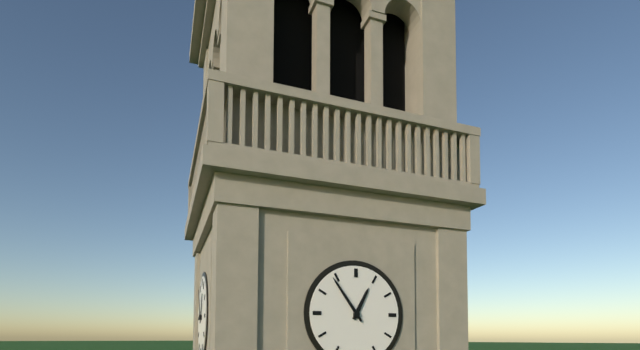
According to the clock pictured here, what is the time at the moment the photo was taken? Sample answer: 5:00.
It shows 12:54
